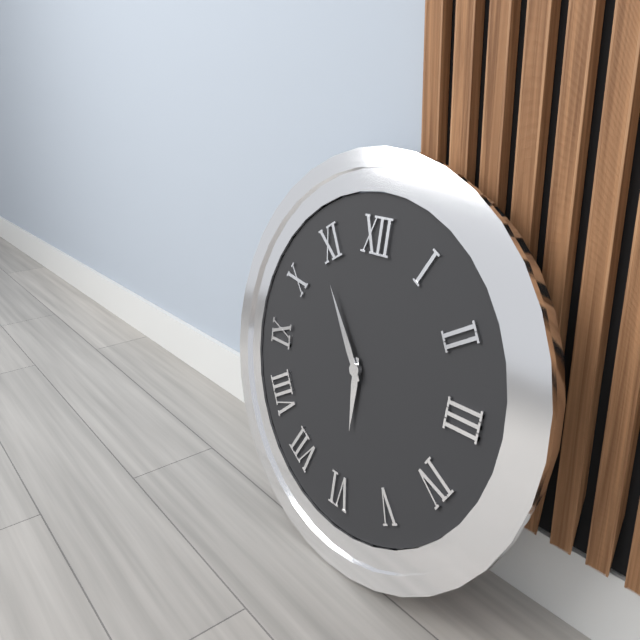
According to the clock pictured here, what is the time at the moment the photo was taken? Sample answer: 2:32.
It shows 5:54
